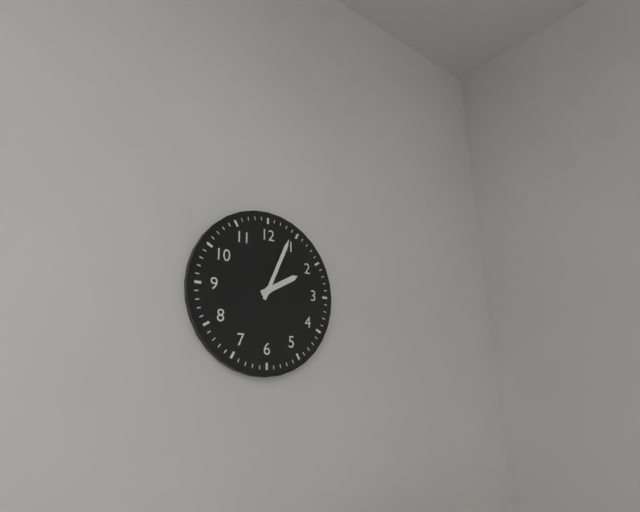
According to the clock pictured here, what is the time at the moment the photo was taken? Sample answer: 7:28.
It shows 2:04
